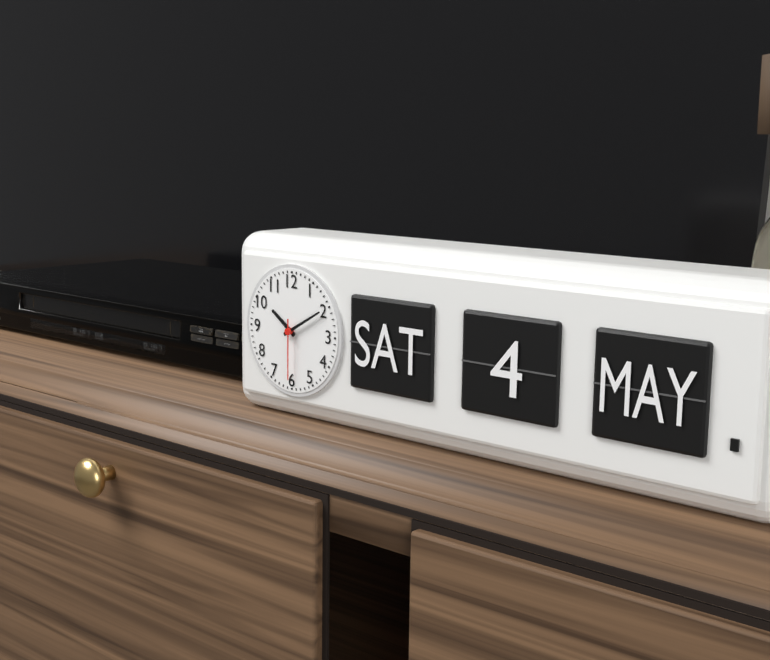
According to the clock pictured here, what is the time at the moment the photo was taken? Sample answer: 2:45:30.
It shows 10:10:30
